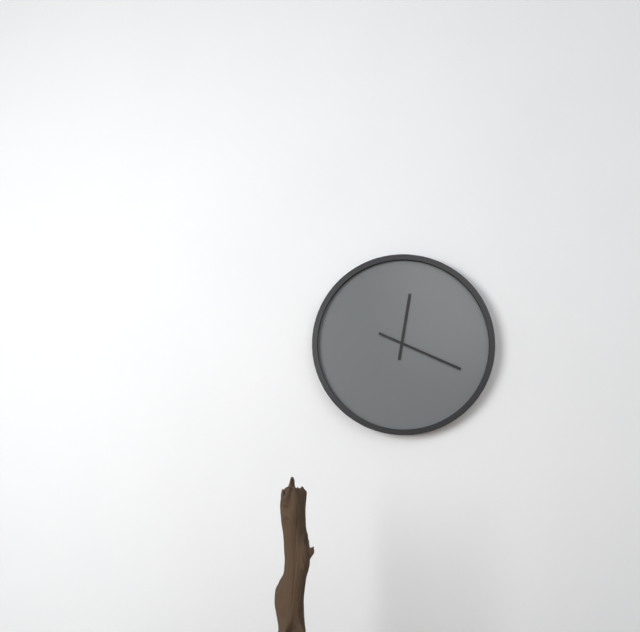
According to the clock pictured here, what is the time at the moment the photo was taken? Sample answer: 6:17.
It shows 12:19
